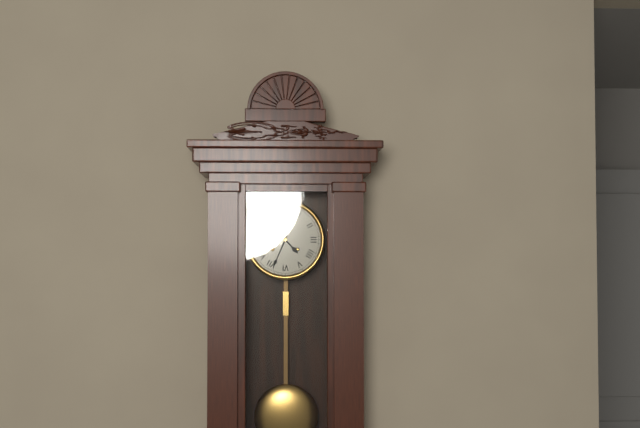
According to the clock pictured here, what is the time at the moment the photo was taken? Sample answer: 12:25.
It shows 4:34
